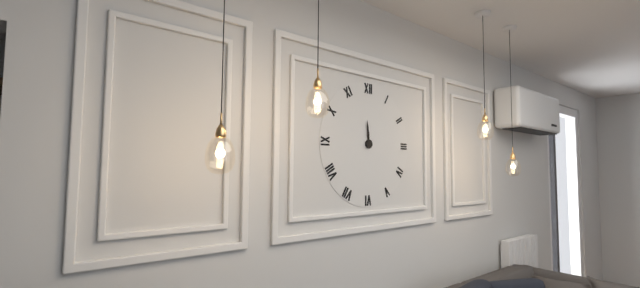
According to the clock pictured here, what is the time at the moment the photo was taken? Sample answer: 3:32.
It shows 11:59
